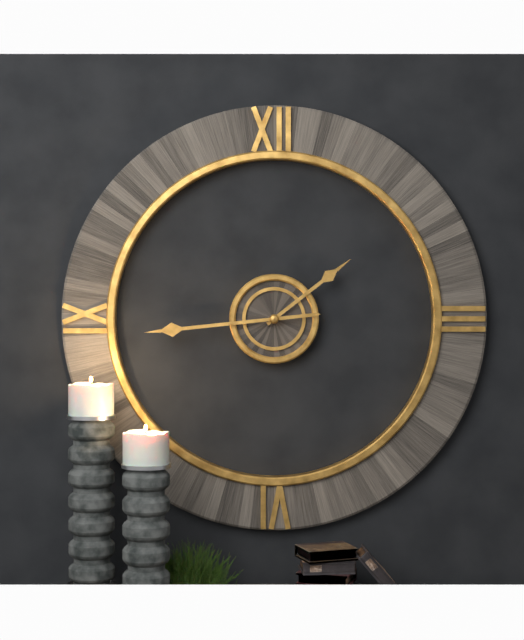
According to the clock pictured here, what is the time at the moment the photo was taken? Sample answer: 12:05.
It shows 1:44
